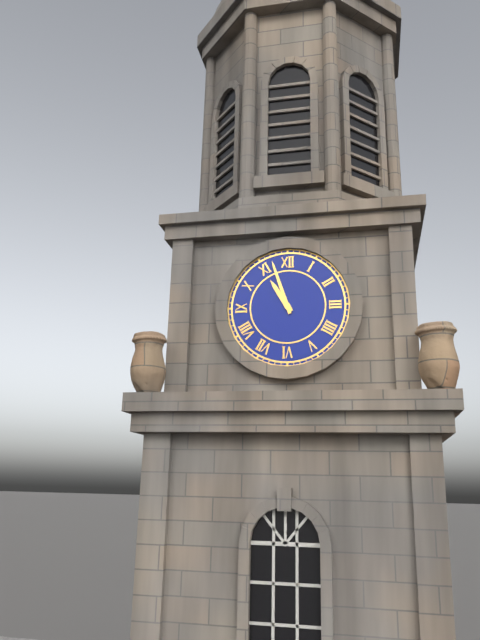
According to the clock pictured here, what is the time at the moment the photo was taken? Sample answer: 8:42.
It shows 10:57
